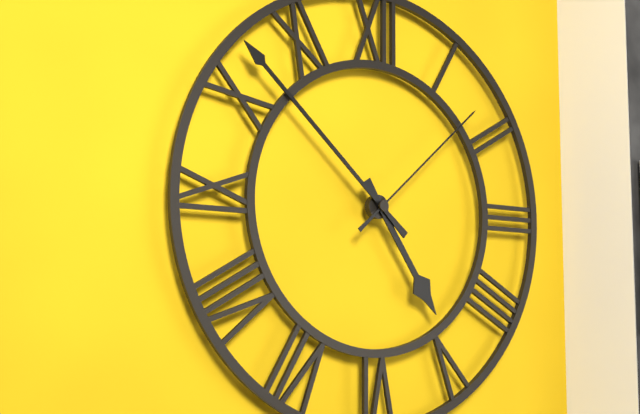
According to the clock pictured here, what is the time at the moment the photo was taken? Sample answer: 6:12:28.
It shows 4:52:08
